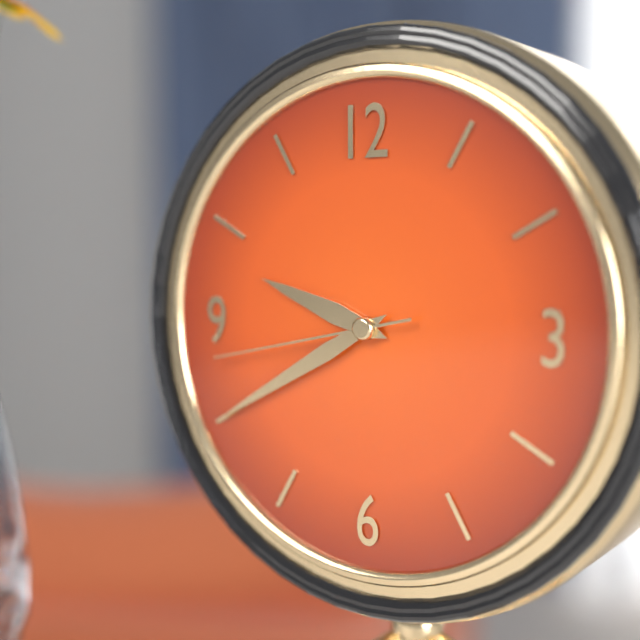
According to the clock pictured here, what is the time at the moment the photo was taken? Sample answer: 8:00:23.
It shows 9:40:43
